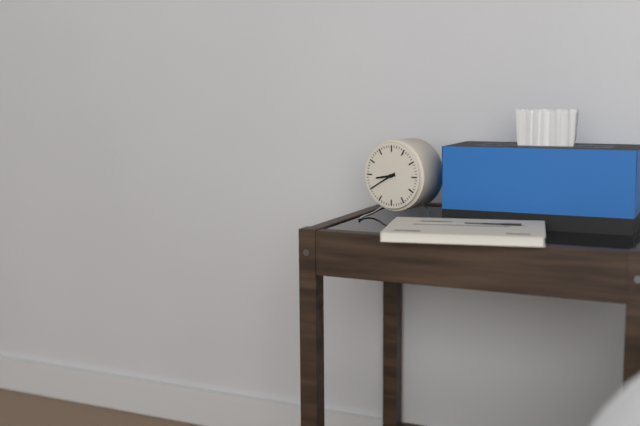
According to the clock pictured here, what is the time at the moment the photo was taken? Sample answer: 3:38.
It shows 8:40
